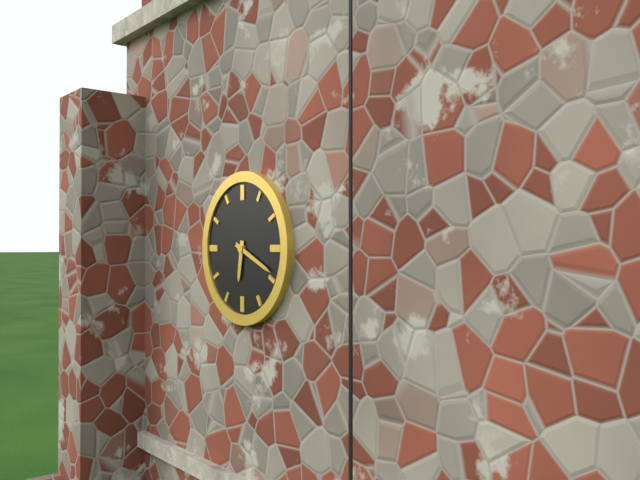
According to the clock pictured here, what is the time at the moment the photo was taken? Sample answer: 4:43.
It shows 6:19
